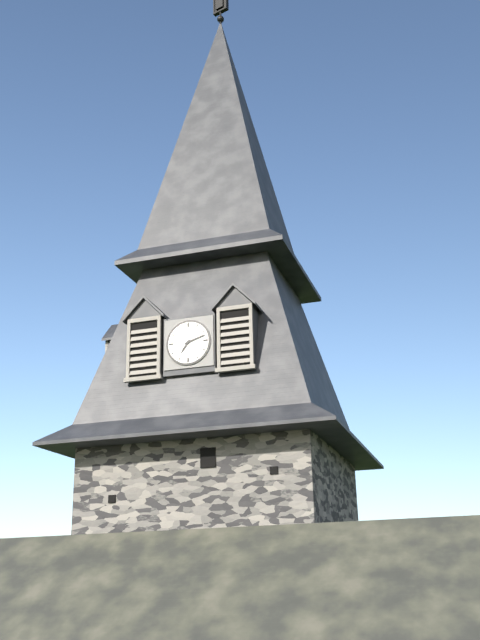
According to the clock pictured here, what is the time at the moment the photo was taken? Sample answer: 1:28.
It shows 7:12
